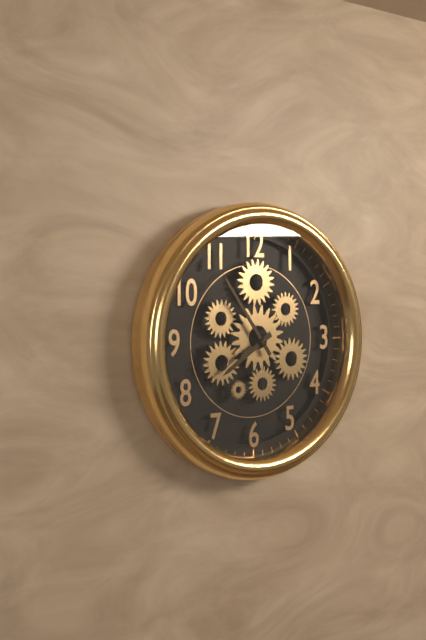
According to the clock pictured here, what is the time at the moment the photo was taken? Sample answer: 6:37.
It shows 7:54
